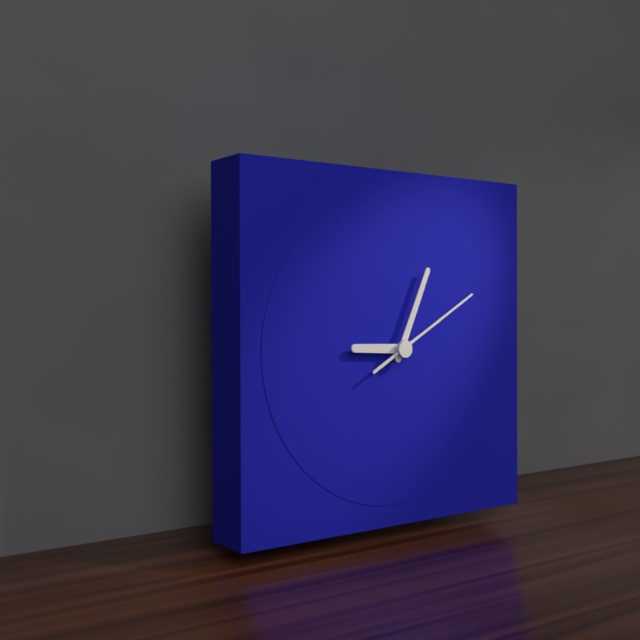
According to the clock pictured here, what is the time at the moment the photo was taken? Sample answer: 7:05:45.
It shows 9:04:10
